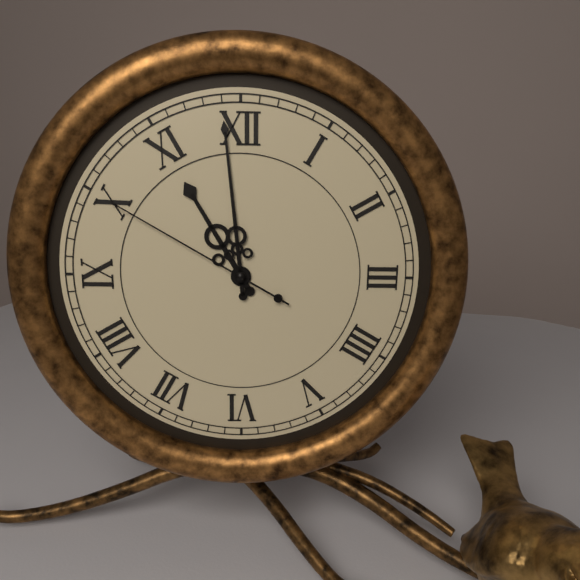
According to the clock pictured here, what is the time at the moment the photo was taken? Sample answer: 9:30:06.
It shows 10:59:50
